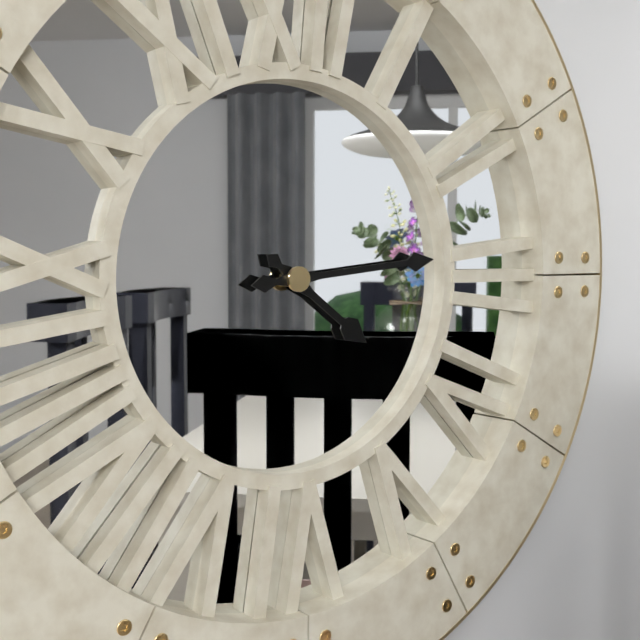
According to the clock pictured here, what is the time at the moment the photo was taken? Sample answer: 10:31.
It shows 4:14
